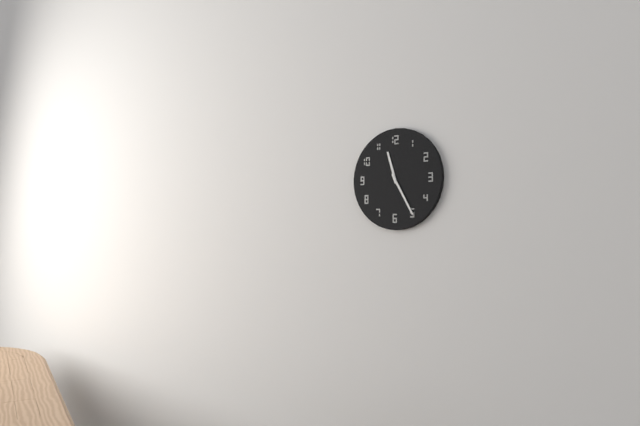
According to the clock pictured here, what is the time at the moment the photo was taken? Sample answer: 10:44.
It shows 11:25
